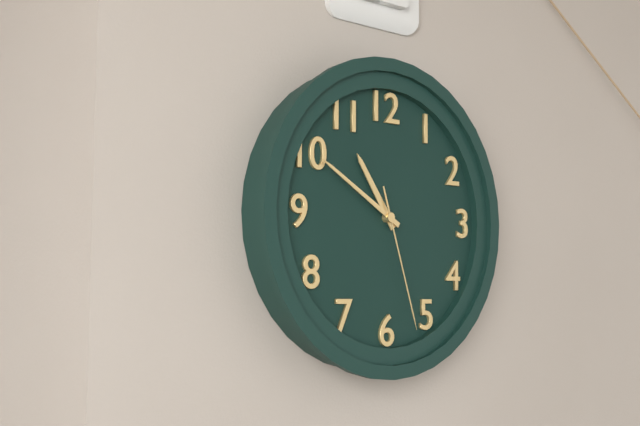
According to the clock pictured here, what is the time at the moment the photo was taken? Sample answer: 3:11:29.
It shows 10:50:27
